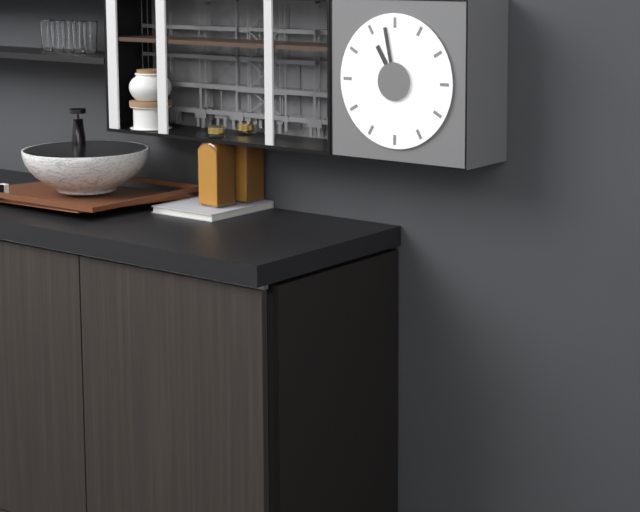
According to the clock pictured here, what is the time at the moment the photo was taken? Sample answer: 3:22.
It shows 10:58
